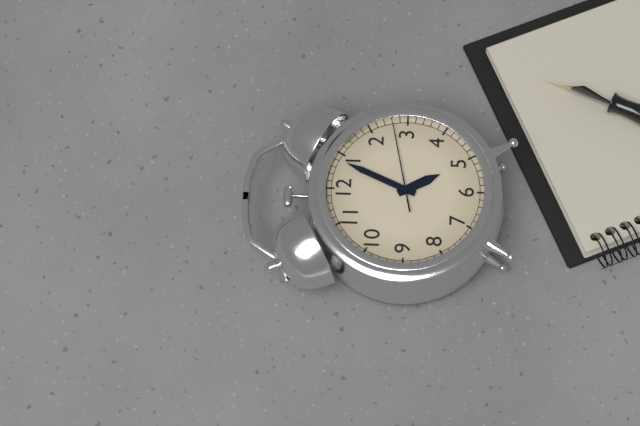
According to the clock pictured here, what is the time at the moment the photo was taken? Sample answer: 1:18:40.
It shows 5:04:13
